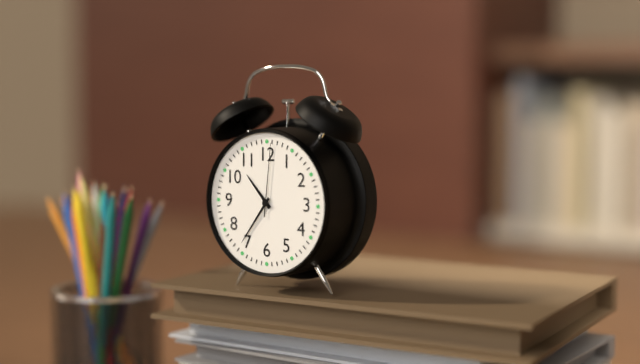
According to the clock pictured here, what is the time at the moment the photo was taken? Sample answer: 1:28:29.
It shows 10:36:01
